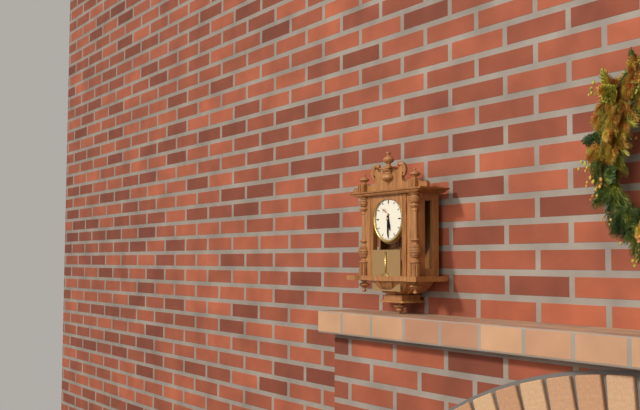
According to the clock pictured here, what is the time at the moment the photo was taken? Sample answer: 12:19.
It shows 5:30
